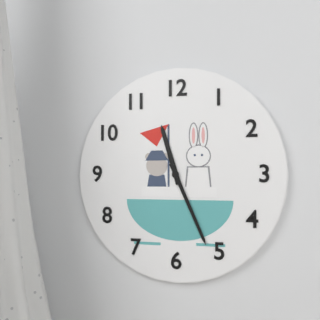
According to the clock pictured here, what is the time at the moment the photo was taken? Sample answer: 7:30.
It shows 11:26
